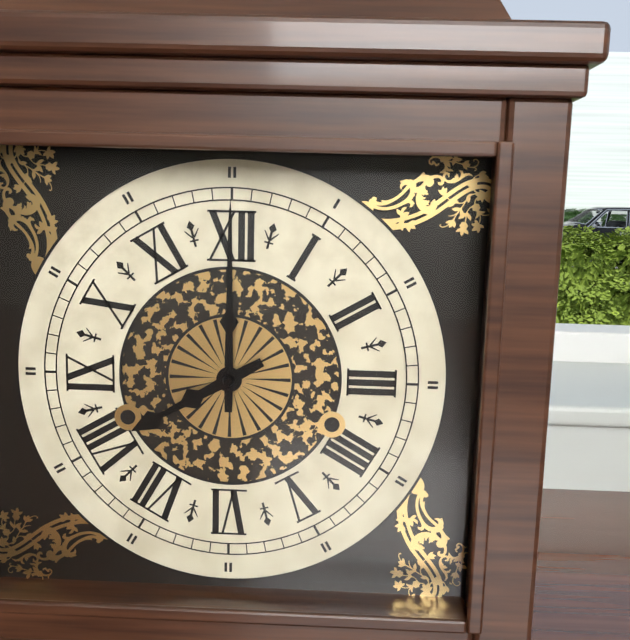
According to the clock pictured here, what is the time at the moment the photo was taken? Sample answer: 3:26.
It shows 8:00
